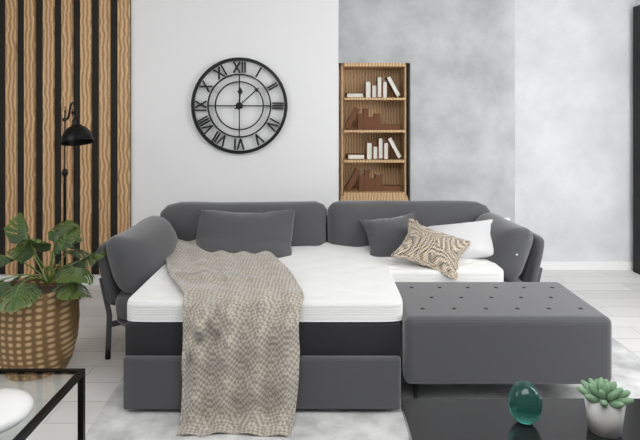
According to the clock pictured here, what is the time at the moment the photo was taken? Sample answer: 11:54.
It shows 12:08
